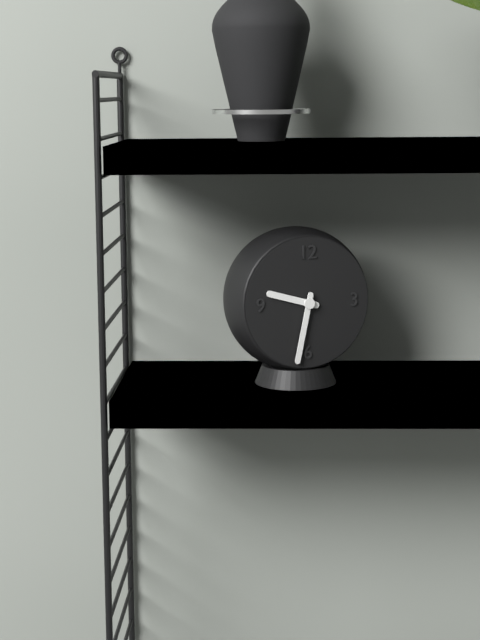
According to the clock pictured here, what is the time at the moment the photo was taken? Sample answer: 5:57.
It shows 9:32
